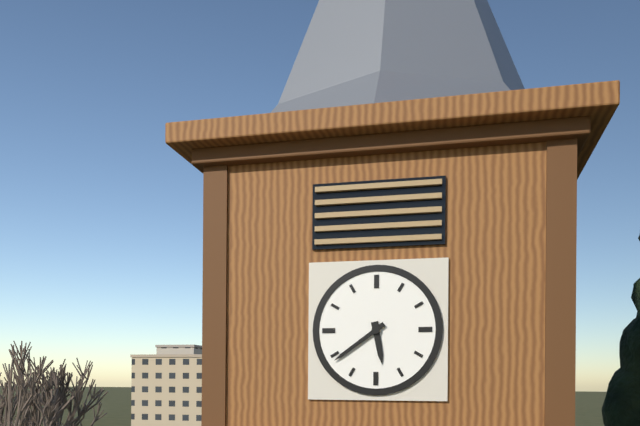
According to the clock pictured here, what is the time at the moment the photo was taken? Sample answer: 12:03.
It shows 5:39
